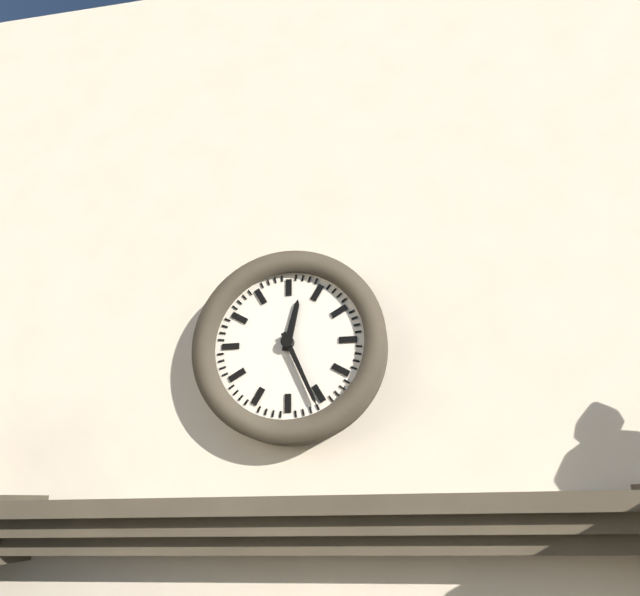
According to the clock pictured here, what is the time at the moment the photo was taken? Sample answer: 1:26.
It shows 12:26
